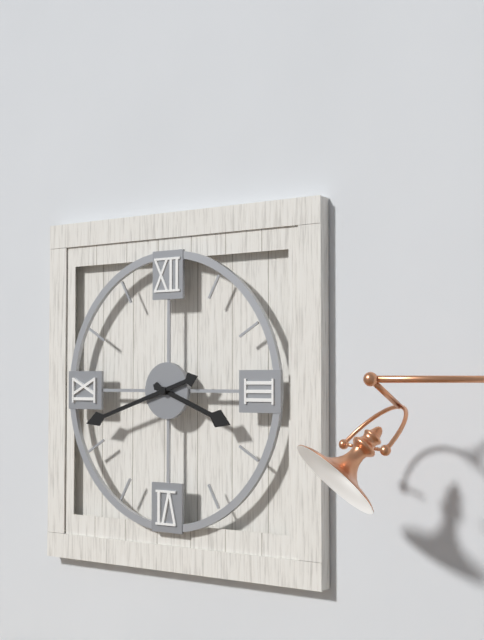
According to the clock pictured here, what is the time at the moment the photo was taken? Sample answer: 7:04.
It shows 3:42
